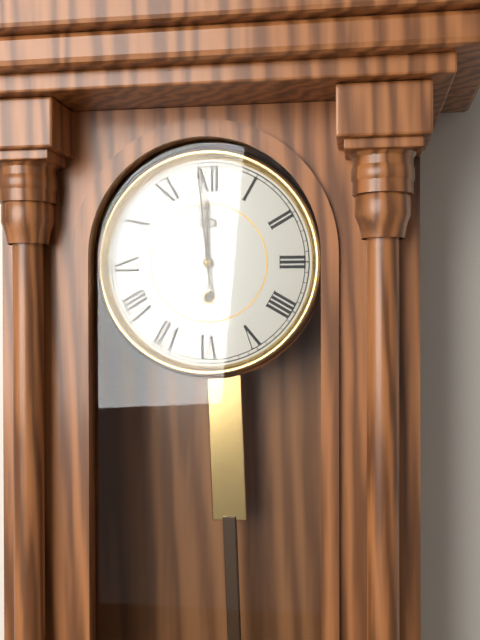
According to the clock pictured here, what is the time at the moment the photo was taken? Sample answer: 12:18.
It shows 11:59
